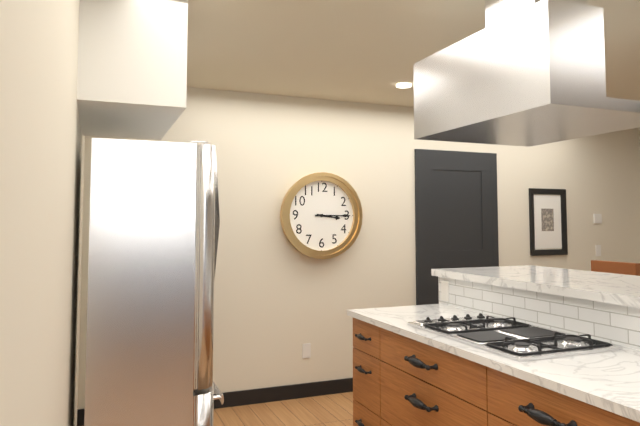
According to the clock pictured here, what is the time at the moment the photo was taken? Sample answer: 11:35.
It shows 3:15
